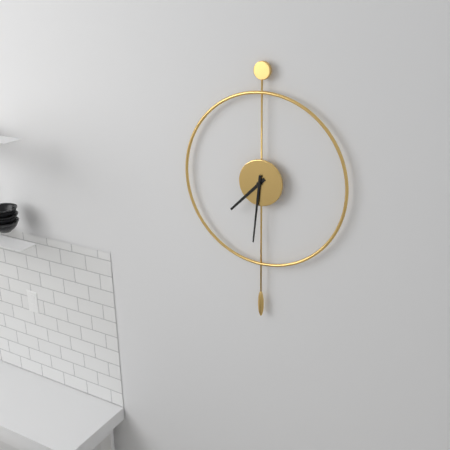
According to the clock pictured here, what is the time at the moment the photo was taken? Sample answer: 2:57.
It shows 7:31
